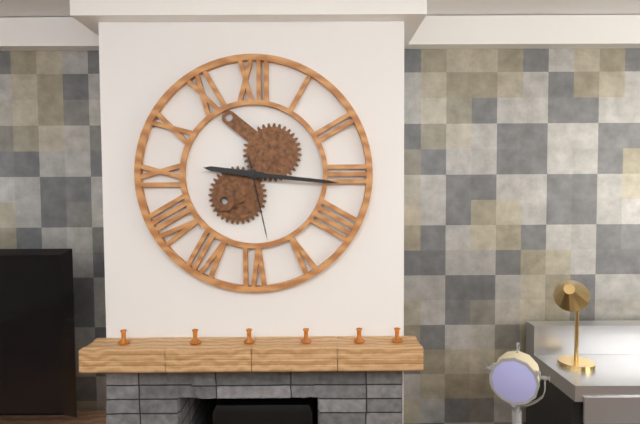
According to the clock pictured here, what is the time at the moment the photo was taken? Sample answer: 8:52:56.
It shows 9:16:28
